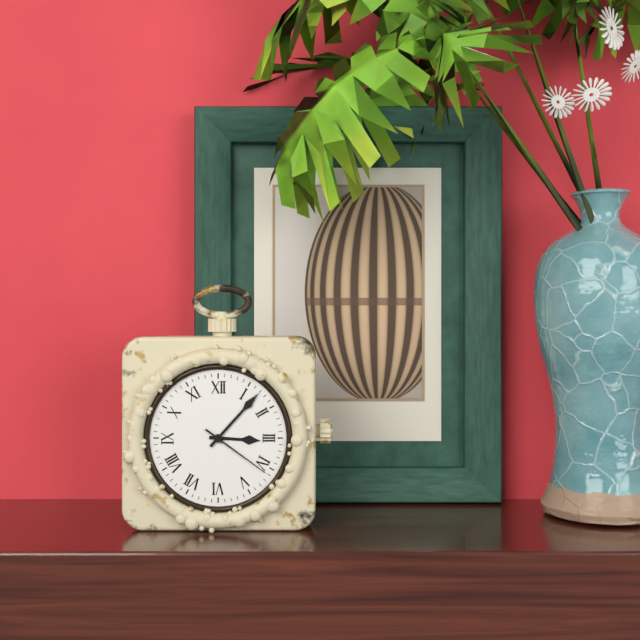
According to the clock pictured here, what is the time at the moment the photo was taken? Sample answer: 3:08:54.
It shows 3:07:21
